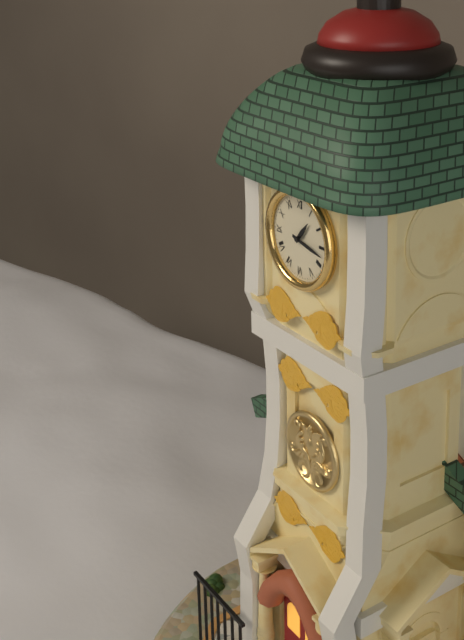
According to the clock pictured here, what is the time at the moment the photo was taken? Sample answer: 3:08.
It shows 1:17
